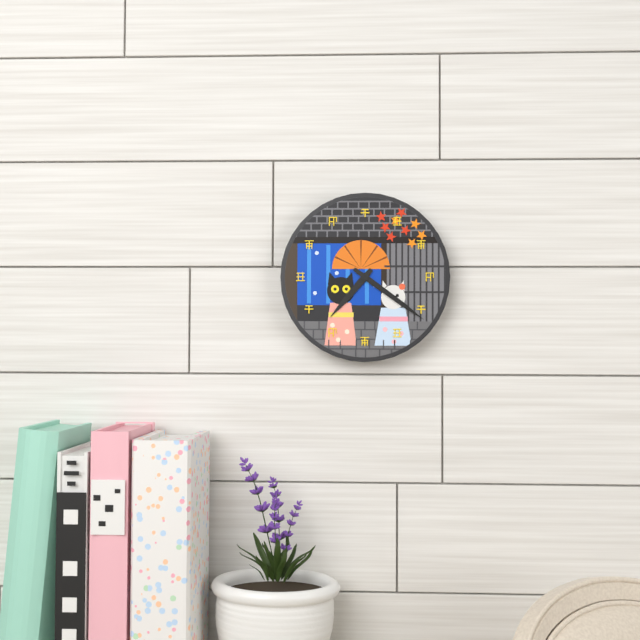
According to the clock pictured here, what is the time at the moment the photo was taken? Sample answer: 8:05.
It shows 7:21
